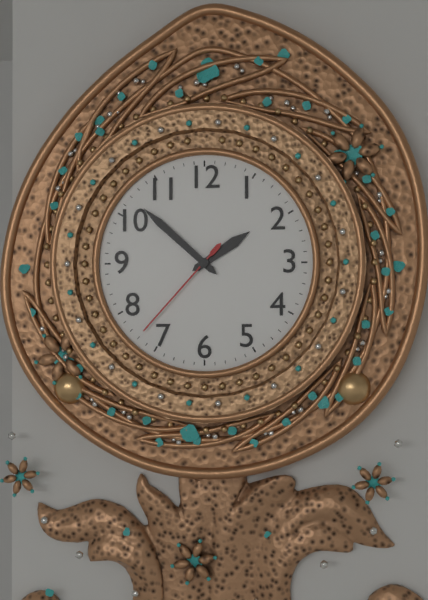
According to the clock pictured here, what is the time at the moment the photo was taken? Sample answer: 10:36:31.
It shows 1:52:37
